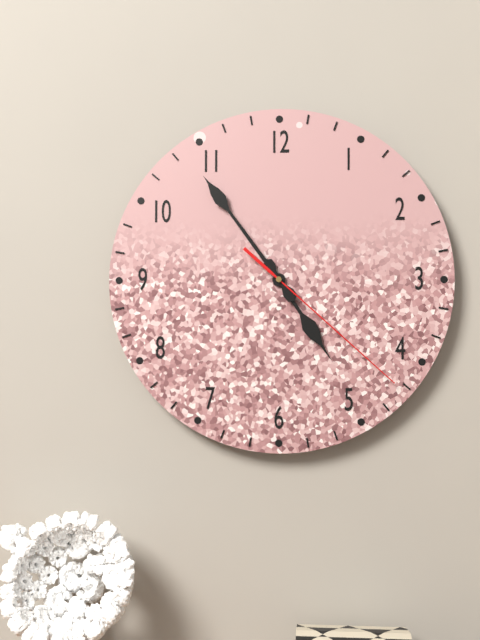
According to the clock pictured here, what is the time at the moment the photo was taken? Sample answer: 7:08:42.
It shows 4:54:22
